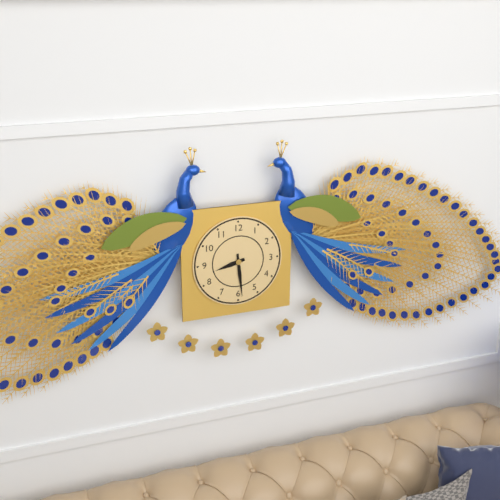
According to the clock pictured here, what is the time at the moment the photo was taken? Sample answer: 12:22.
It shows 8:29
